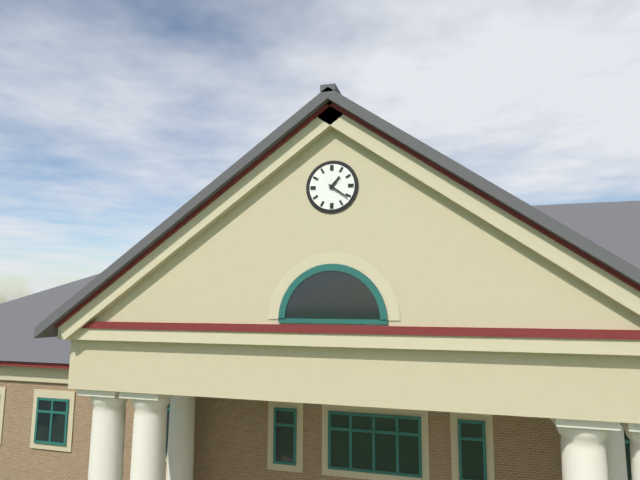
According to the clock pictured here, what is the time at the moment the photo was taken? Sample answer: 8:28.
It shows 1:21
